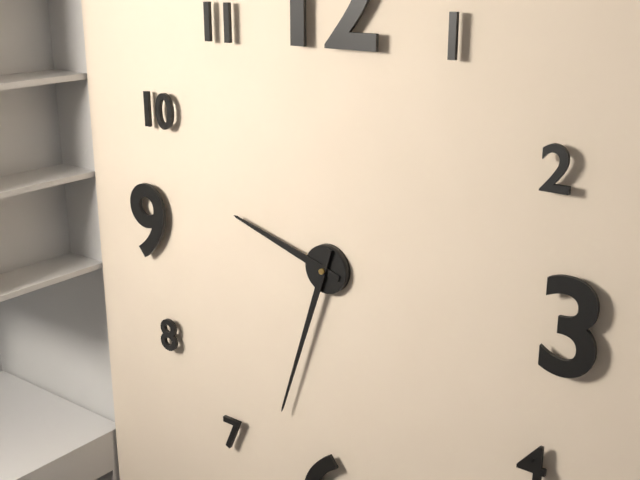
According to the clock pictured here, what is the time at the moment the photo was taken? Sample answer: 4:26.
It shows 9:33
